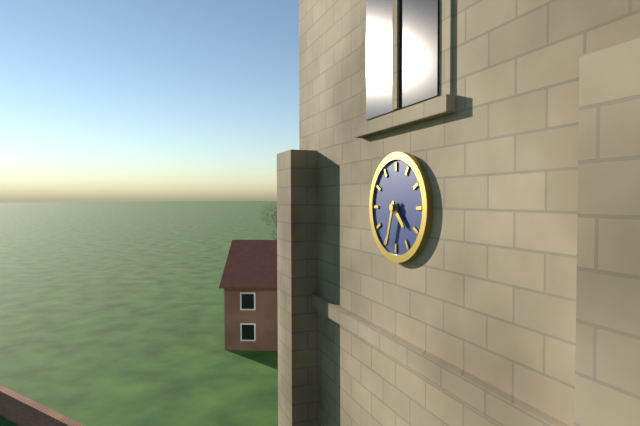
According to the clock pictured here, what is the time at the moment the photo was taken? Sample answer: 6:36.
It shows 4:33
